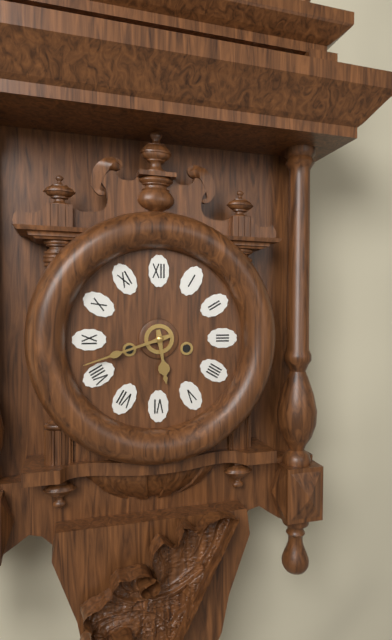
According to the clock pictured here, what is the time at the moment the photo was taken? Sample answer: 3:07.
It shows 5:42
